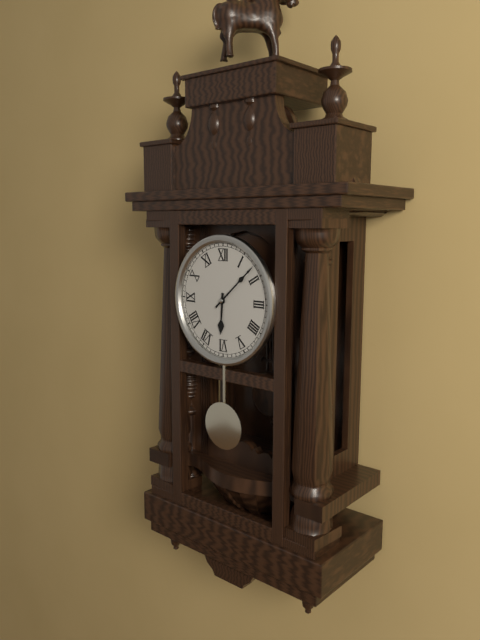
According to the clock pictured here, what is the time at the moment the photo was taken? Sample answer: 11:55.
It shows 6:08
